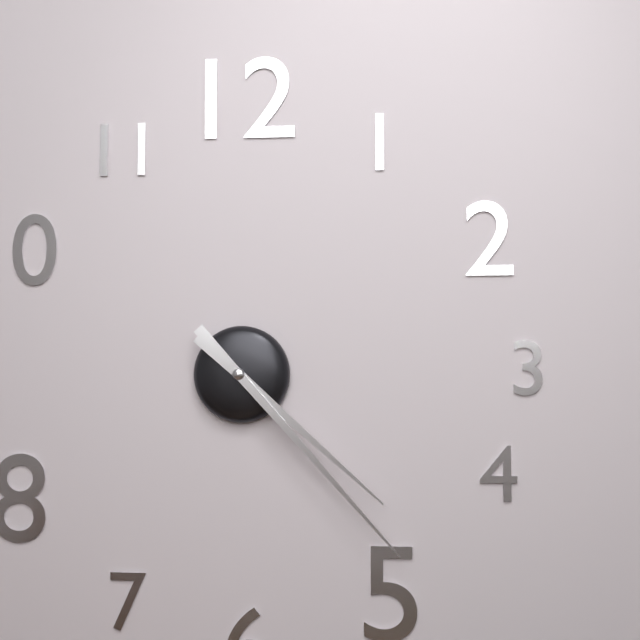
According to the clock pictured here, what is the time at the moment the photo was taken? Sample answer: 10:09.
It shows 4:23
